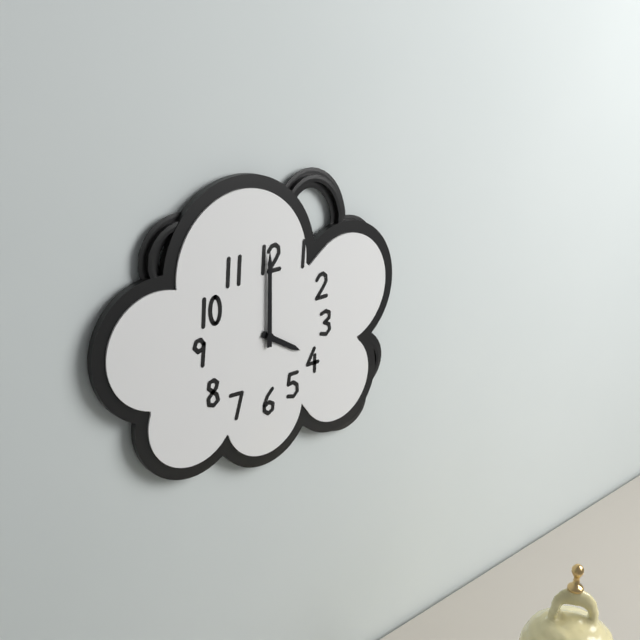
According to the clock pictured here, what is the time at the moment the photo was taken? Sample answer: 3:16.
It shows 4:00
